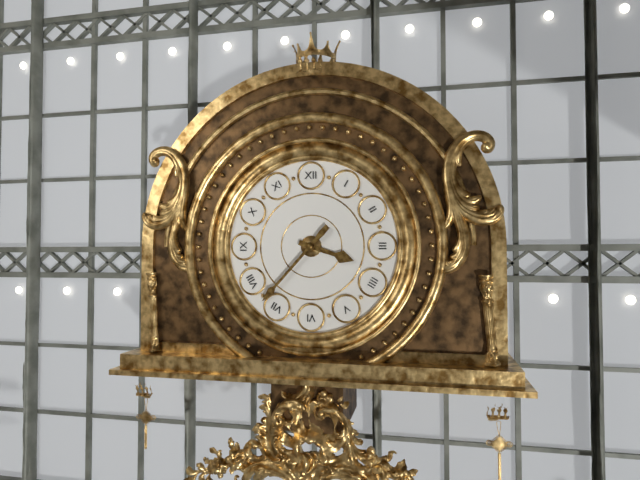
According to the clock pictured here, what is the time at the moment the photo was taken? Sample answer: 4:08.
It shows 3:37
